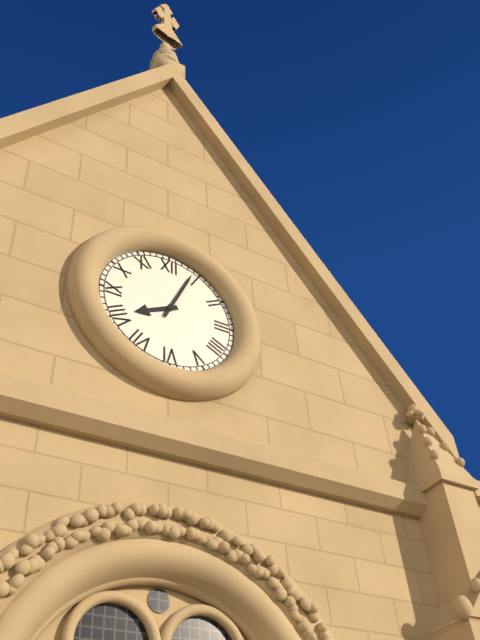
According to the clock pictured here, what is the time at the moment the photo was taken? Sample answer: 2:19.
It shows 8:04
